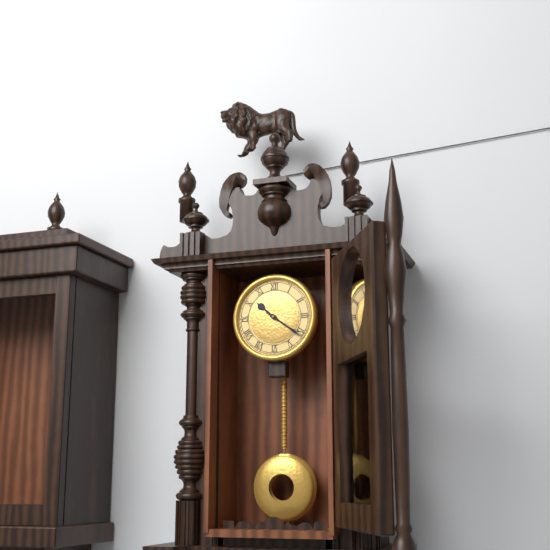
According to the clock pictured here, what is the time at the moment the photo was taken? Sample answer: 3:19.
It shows 10:21
